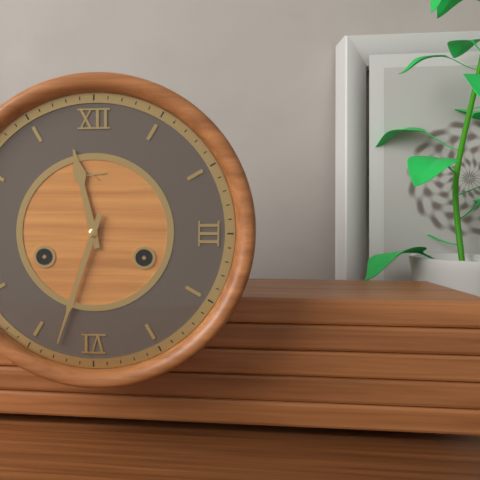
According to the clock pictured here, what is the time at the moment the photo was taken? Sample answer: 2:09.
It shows 11:33
